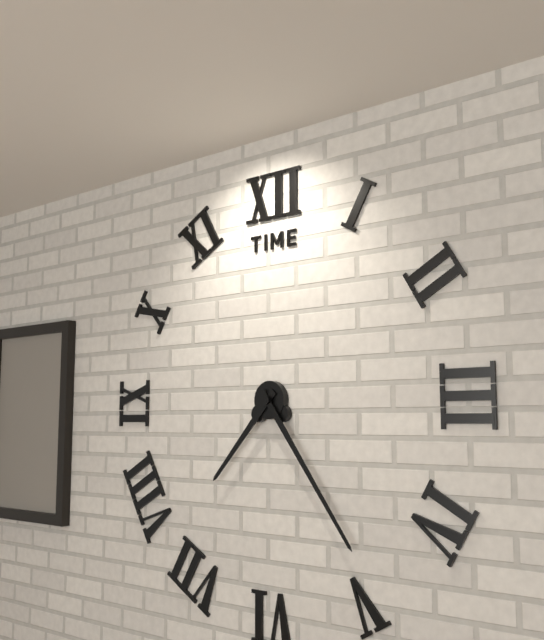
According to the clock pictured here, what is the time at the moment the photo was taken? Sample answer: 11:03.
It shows 7:24
